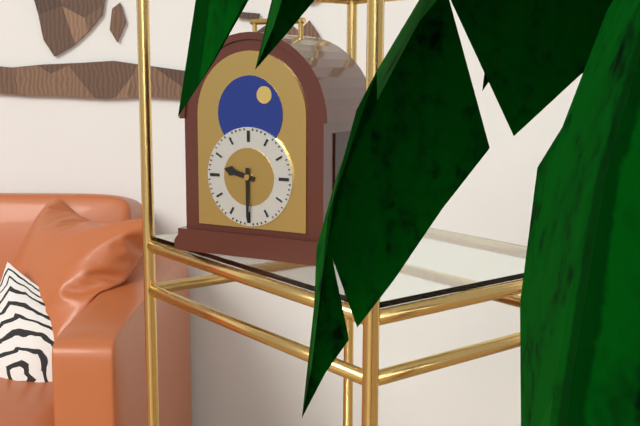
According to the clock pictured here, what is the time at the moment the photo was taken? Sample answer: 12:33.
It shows 9:30
